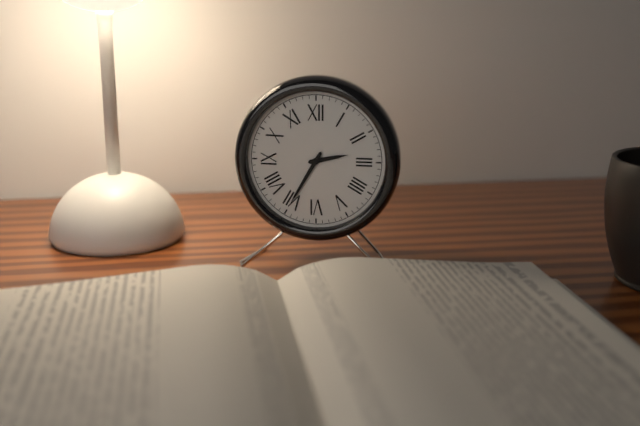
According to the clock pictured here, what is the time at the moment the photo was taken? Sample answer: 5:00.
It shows 2:35
